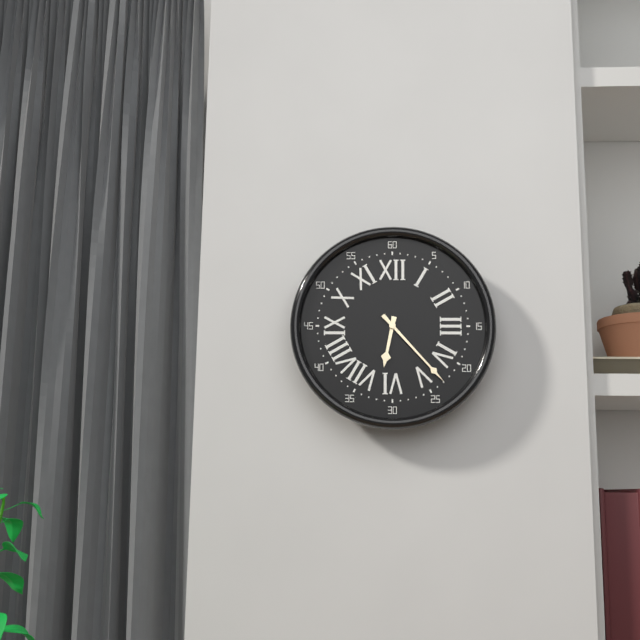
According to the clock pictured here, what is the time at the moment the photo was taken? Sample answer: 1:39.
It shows 6:23
